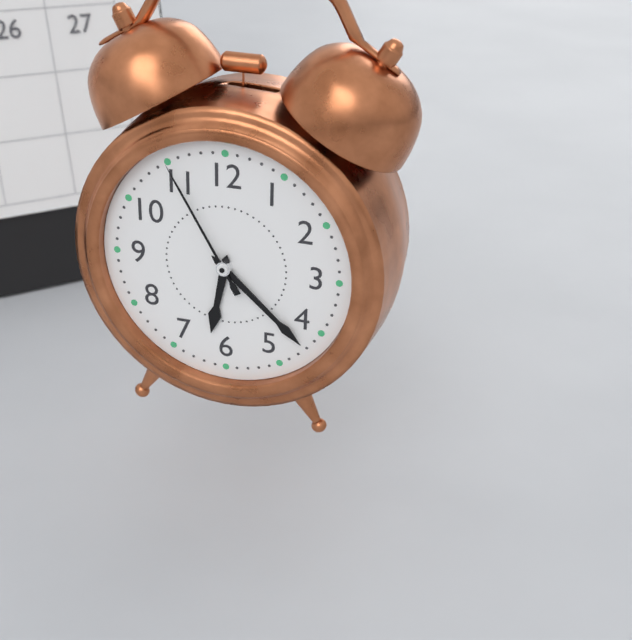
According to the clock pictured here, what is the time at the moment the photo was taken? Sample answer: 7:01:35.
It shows 6:22:55
